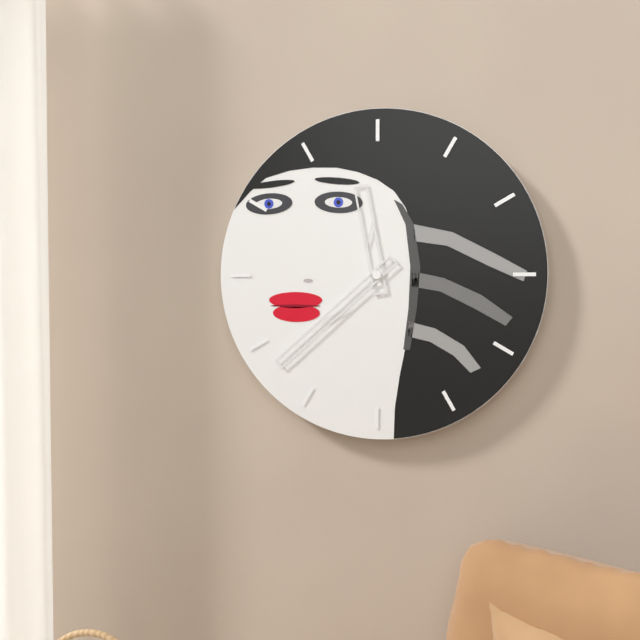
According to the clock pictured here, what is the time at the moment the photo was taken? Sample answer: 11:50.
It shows 11:38
